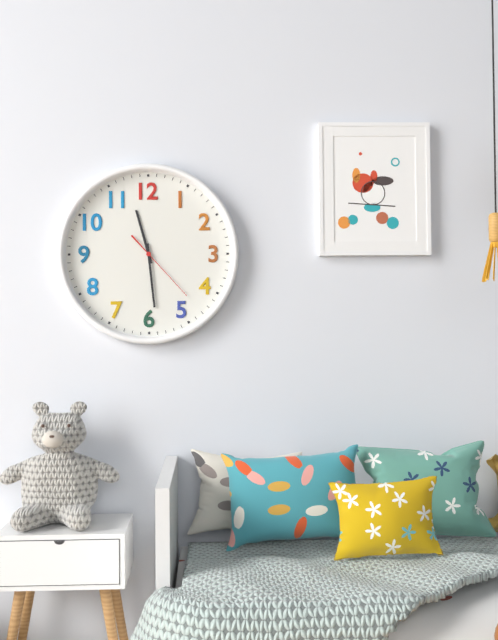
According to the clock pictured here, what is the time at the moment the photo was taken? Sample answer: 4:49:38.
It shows 11:29:23
